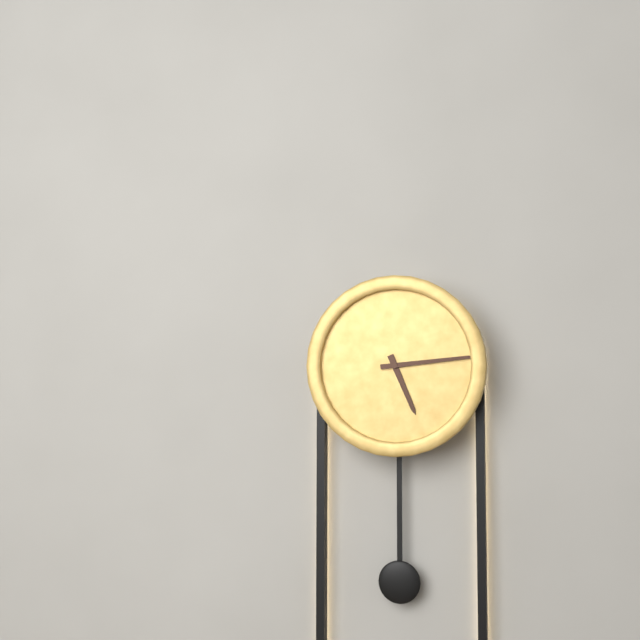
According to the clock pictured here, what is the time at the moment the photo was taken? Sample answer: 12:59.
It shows 5:14
